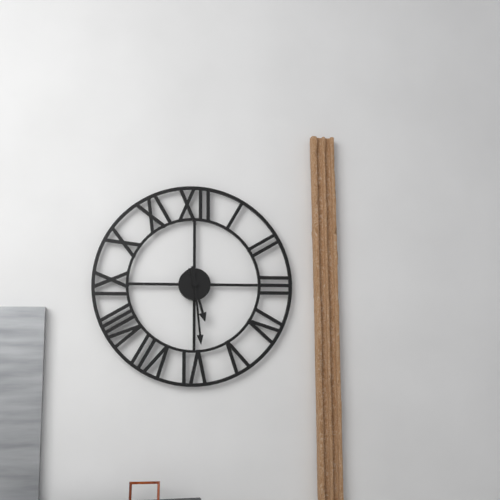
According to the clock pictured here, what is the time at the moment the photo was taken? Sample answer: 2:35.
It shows 5:29
